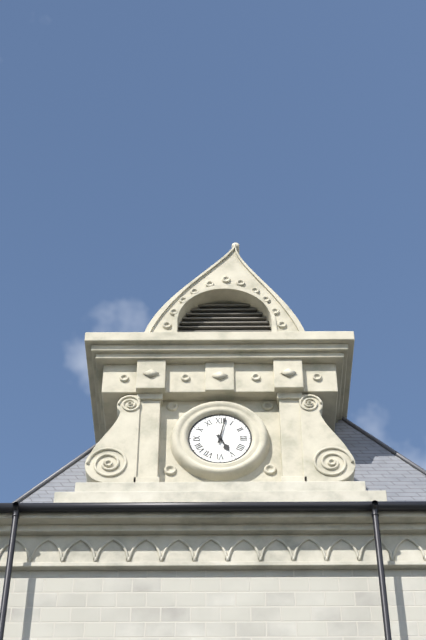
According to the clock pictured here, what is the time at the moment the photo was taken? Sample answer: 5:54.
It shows 5:02
